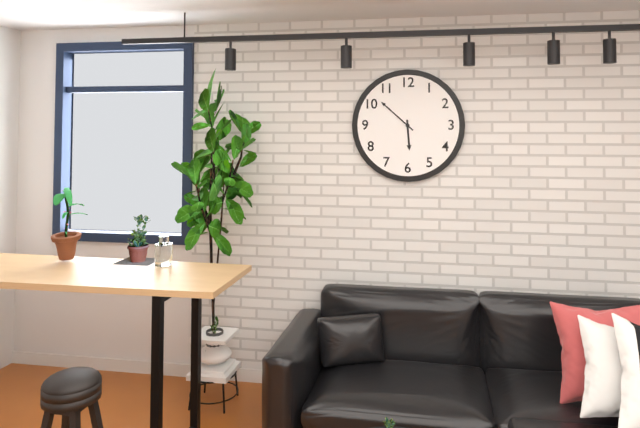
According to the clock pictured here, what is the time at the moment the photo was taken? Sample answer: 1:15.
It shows 5:52
